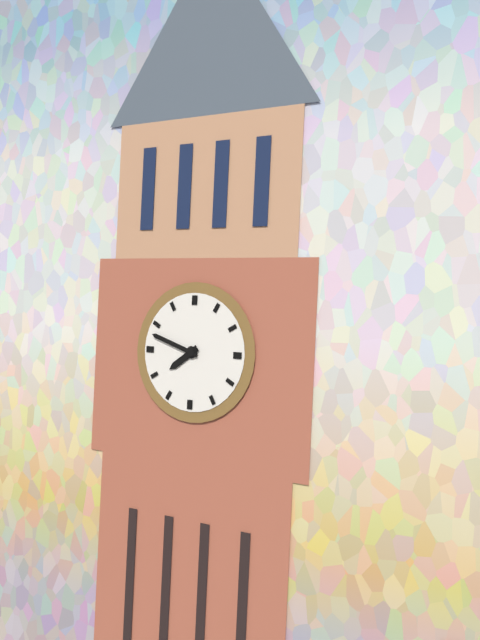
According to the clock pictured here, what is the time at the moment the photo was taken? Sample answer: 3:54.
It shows 7:48
